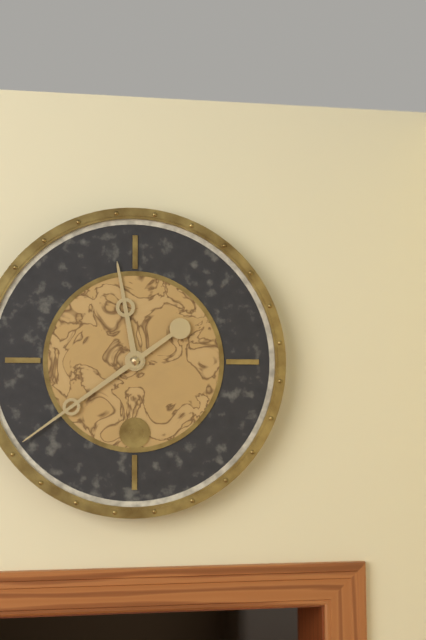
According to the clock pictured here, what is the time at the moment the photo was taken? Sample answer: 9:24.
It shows 11:39
